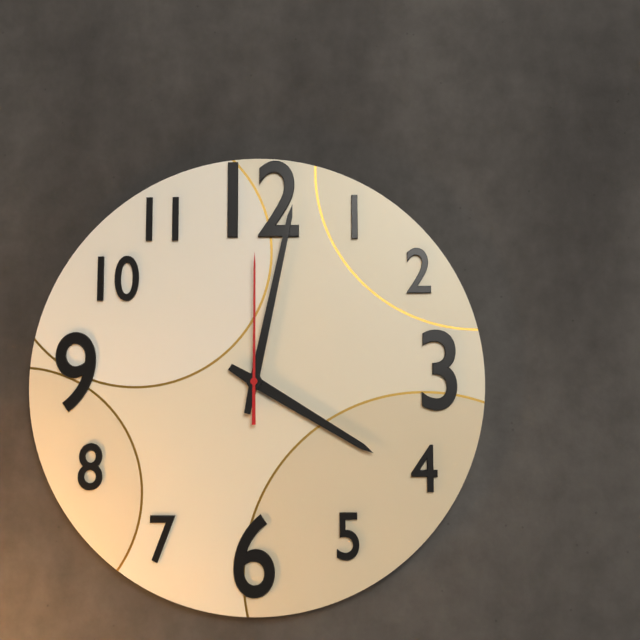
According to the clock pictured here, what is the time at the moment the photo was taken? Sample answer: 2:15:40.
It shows 4:02:00
